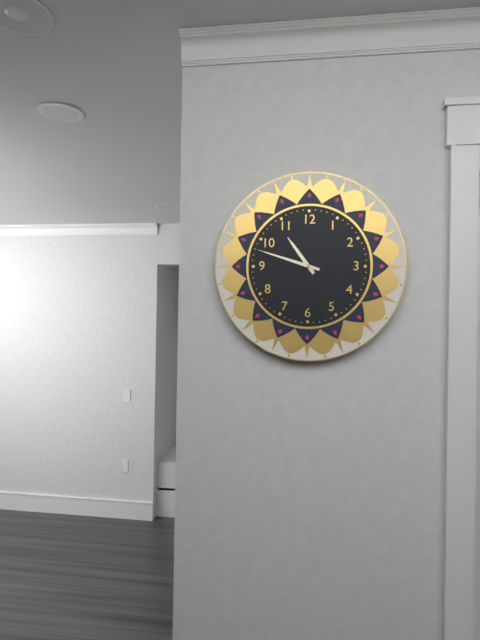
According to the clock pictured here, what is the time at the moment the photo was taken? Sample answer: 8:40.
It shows 10:48
